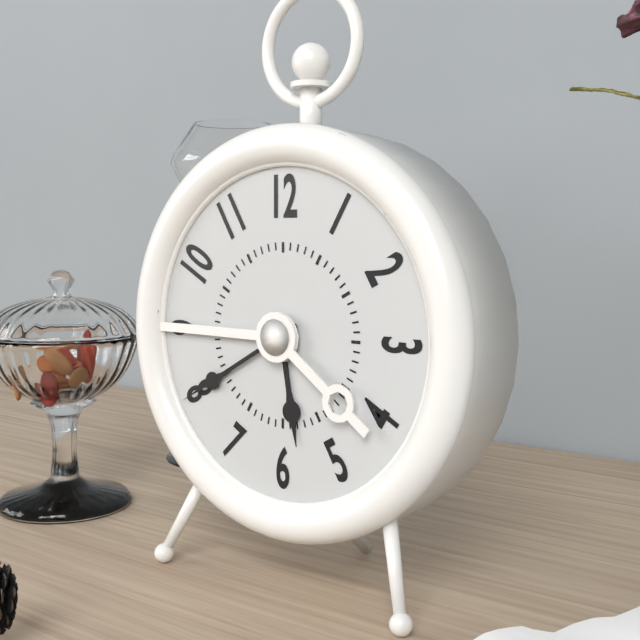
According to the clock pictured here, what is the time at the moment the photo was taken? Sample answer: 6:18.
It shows 5:40
